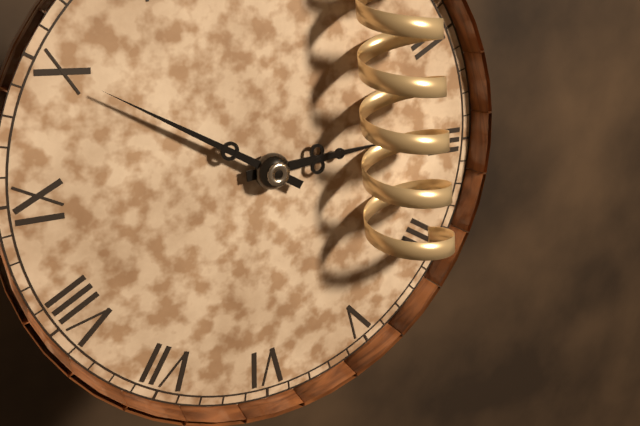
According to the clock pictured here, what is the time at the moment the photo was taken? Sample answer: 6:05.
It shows 2:50
